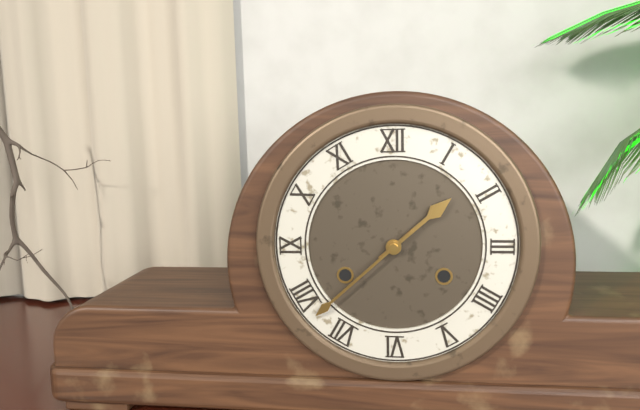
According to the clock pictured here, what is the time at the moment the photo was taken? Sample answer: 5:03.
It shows 1:38
